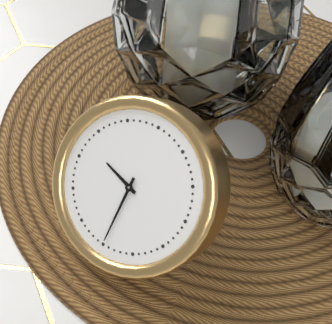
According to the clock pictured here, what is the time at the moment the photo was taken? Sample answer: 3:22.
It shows 9:30
